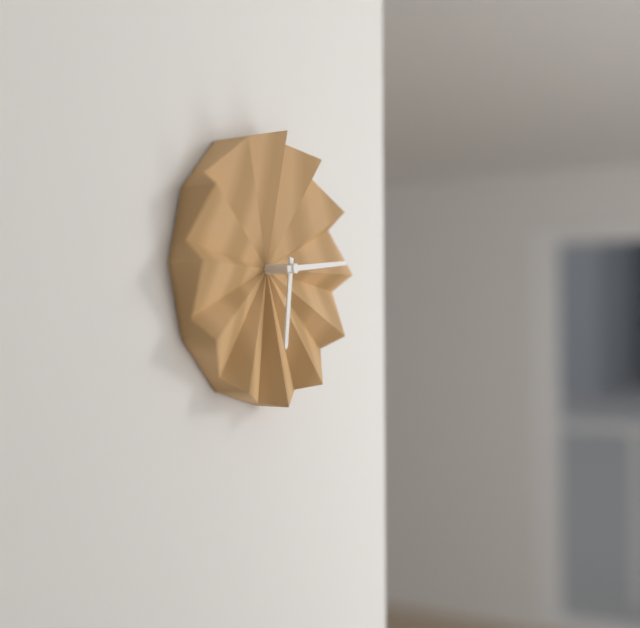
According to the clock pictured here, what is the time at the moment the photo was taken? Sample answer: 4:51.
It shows 6:14
